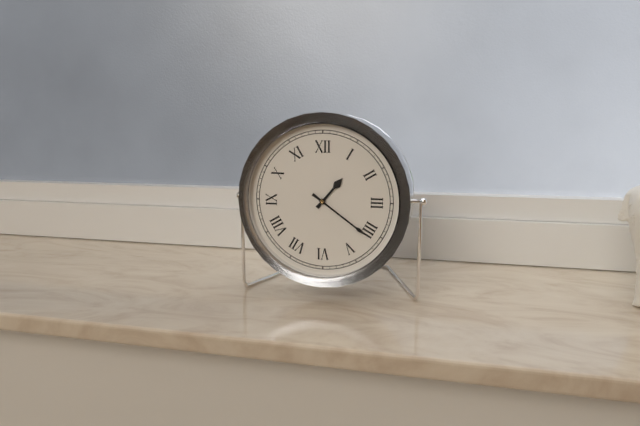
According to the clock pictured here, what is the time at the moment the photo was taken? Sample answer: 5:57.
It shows 1:21
